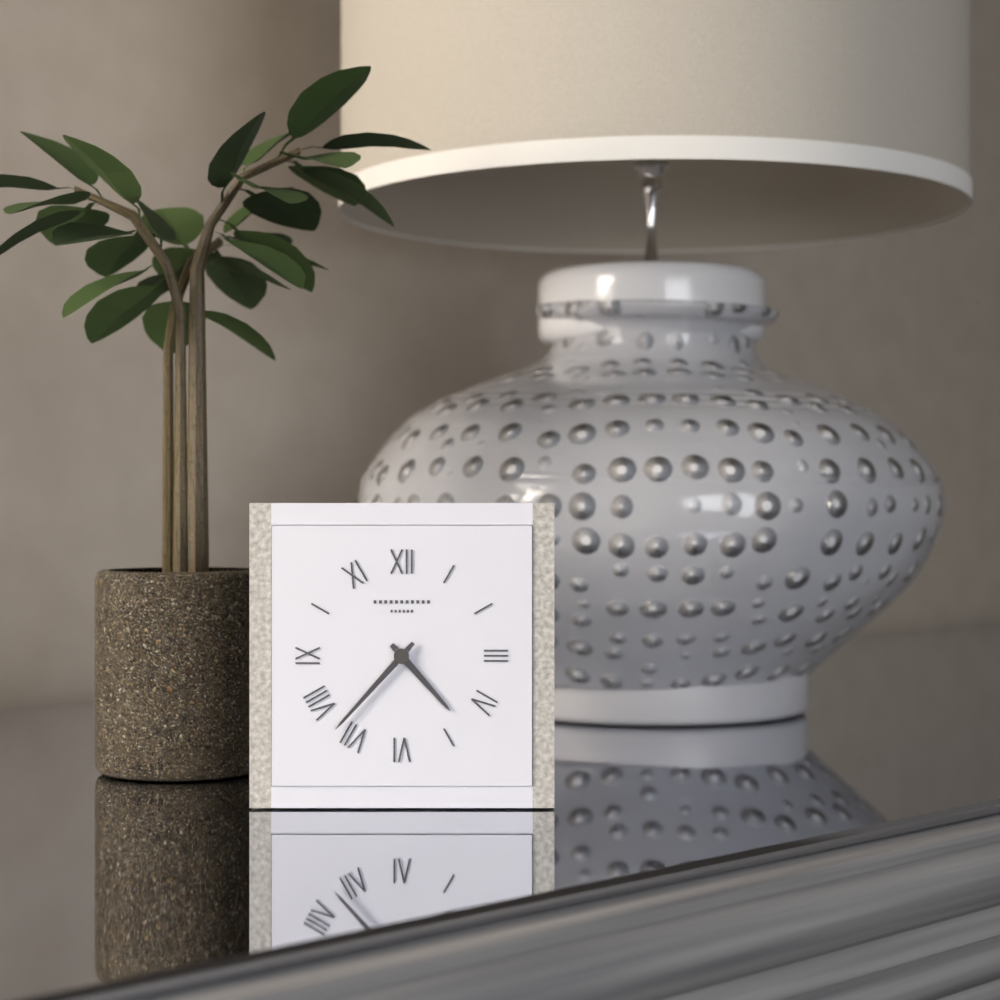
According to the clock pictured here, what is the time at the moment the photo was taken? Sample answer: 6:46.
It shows 4:37
